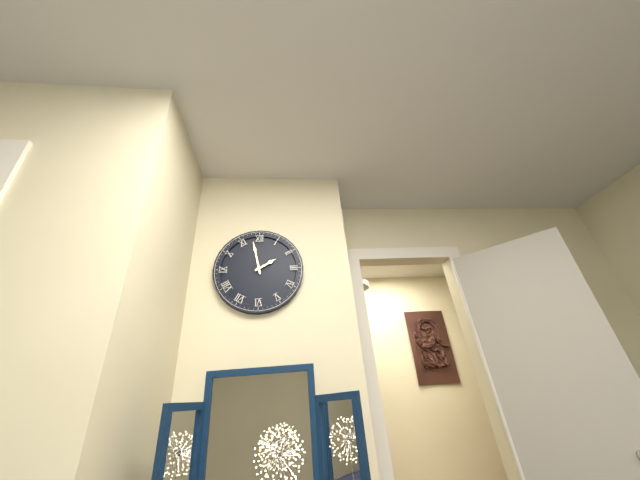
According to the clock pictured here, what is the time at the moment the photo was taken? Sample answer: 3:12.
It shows 1:58
